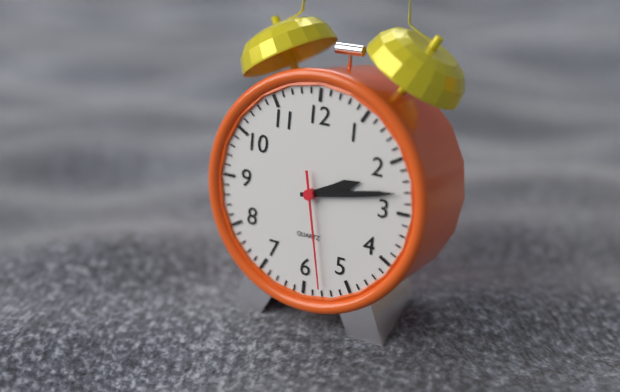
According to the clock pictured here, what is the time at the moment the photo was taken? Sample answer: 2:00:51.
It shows 2:13:28
